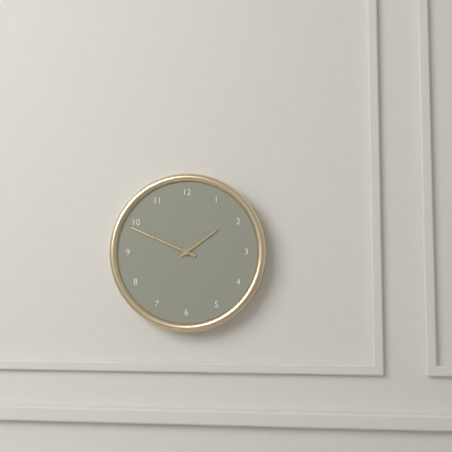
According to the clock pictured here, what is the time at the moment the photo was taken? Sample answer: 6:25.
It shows 1:49
